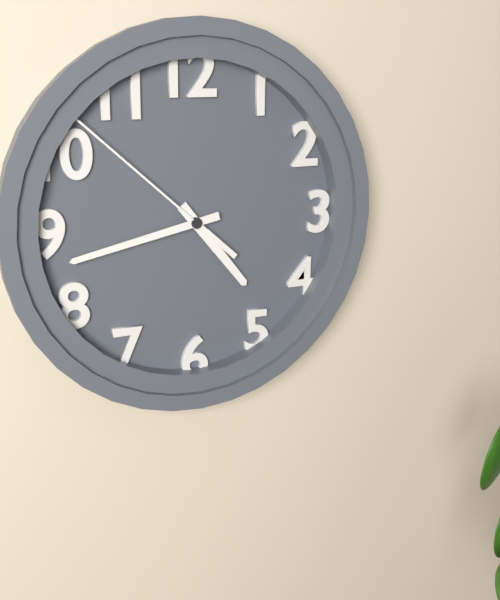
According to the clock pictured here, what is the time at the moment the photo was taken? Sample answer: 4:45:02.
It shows 4:43:52
